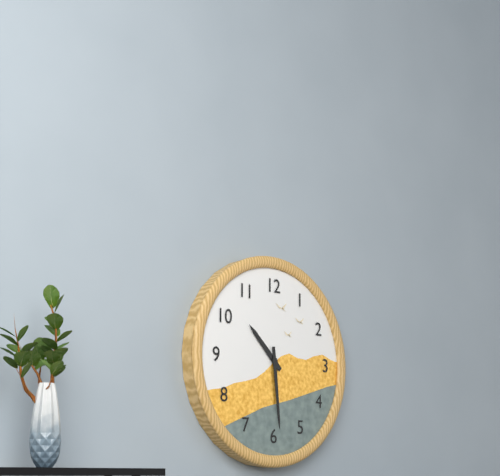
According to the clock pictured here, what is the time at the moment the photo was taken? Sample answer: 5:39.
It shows 10:29
